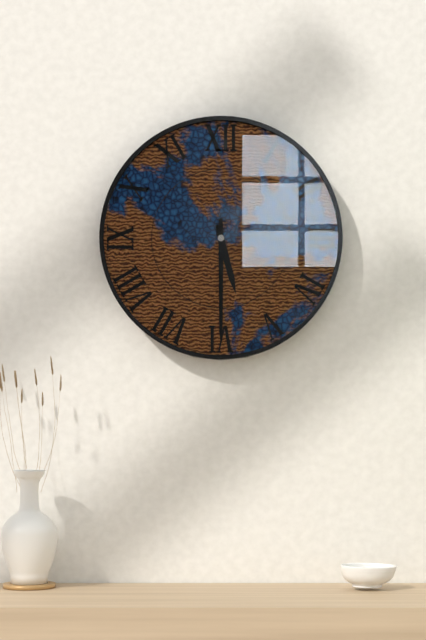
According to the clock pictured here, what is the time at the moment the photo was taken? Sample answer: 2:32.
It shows 5:30
